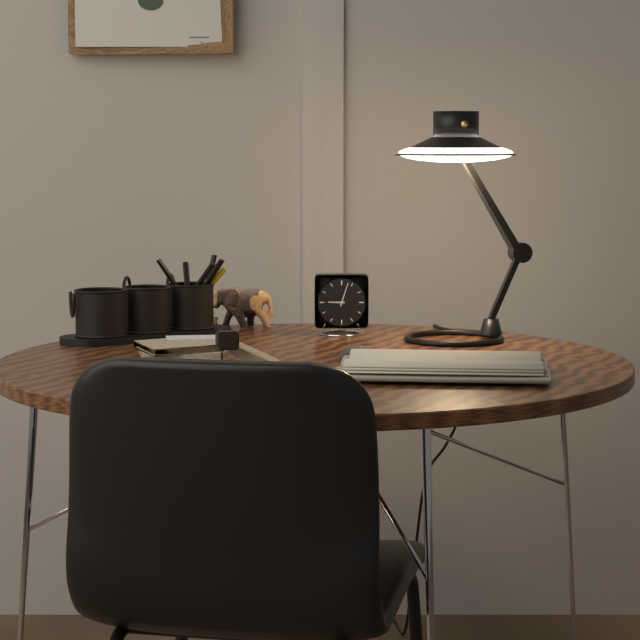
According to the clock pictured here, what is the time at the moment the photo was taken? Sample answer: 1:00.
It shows 9:03
